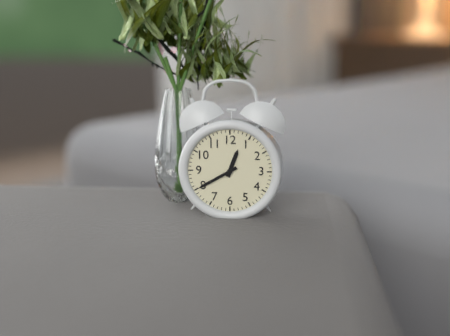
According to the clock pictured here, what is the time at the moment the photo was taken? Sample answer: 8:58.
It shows 12:40
